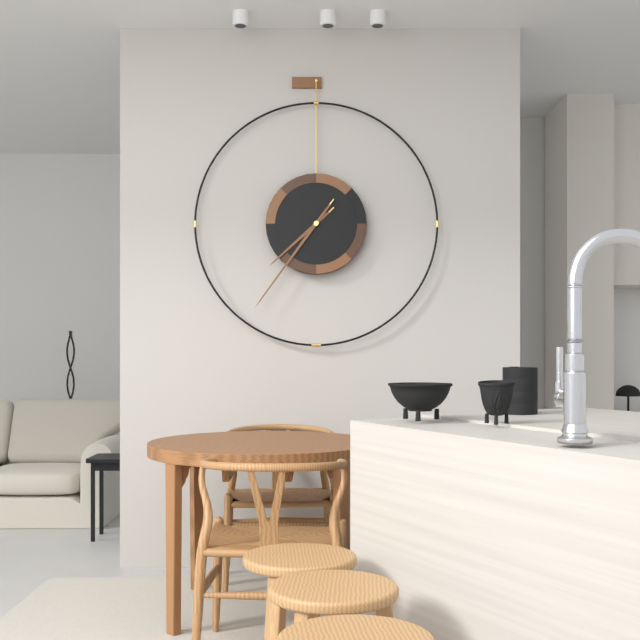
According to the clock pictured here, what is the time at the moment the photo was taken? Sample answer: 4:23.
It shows 7:36
